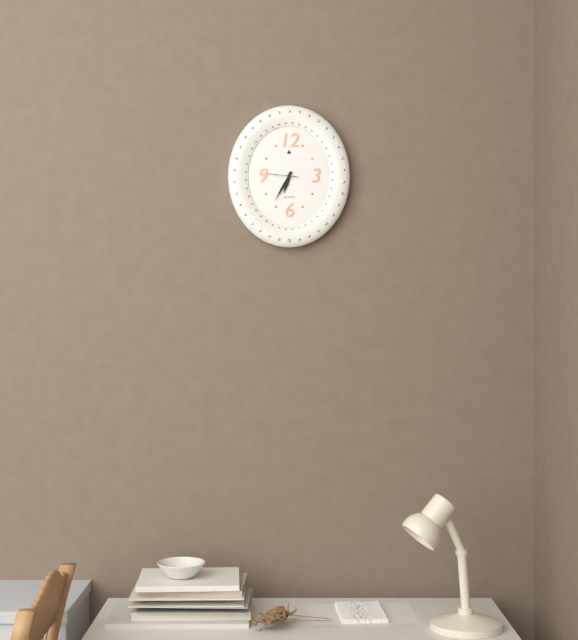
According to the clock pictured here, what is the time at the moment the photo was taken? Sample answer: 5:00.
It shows 6:35
